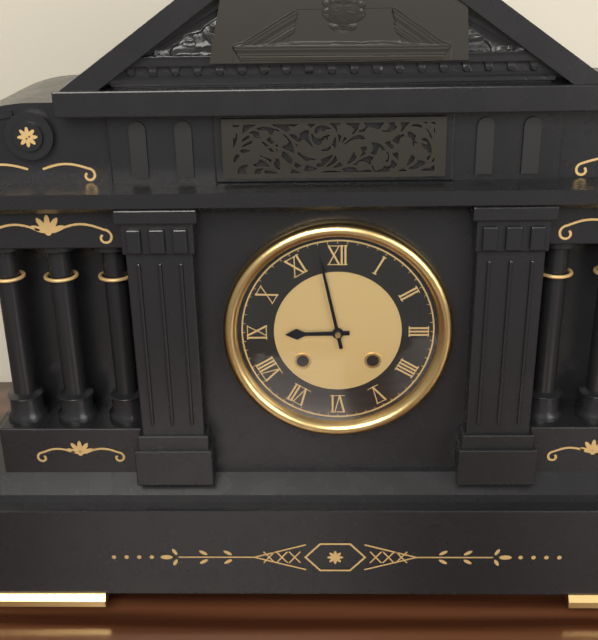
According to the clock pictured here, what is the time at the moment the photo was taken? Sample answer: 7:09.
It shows 8:58
